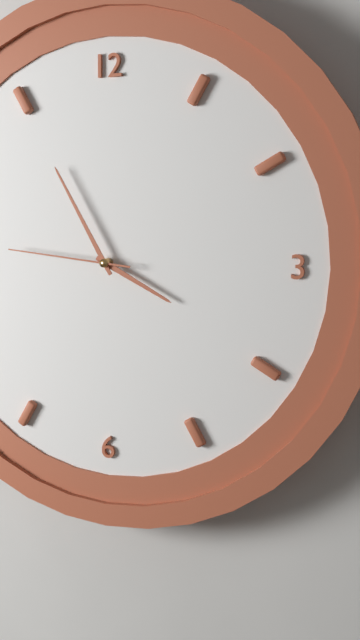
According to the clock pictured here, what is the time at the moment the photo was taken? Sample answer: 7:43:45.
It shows 3:55:46
